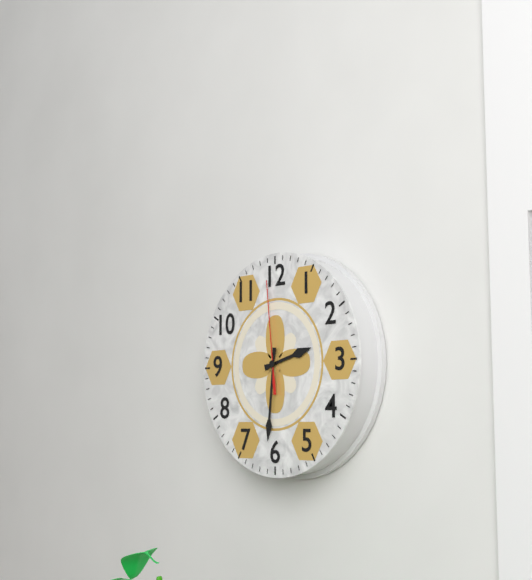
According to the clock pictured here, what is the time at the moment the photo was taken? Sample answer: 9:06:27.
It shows 2:31:59
